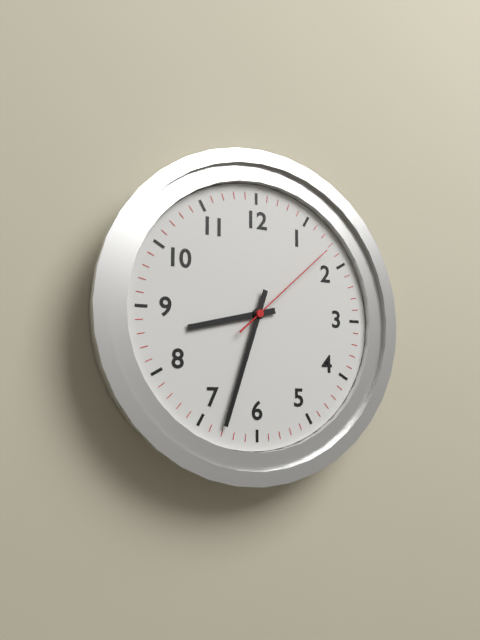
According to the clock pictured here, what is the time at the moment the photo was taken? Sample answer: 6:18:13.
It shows 8:33:08
